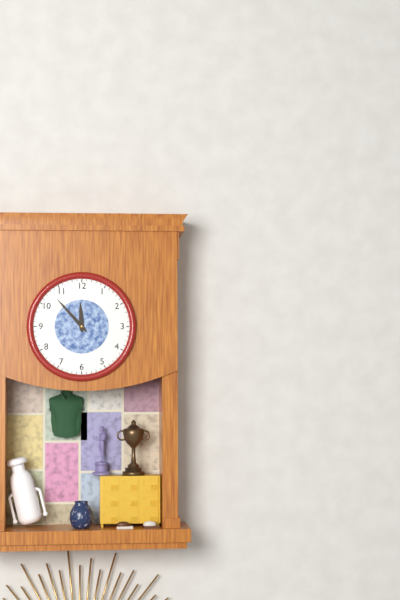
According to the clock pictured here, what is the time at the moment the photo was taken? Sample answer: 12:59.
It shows 11:53
